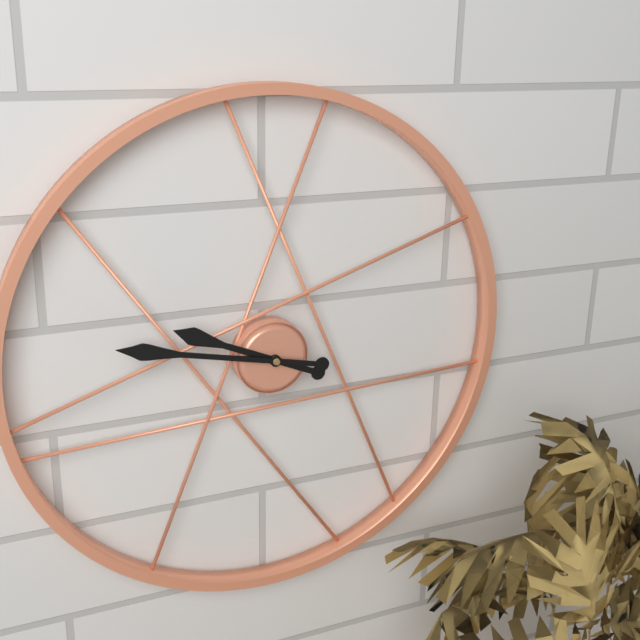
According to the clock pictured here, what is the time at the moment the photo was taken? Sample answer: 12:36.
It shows 9:47
